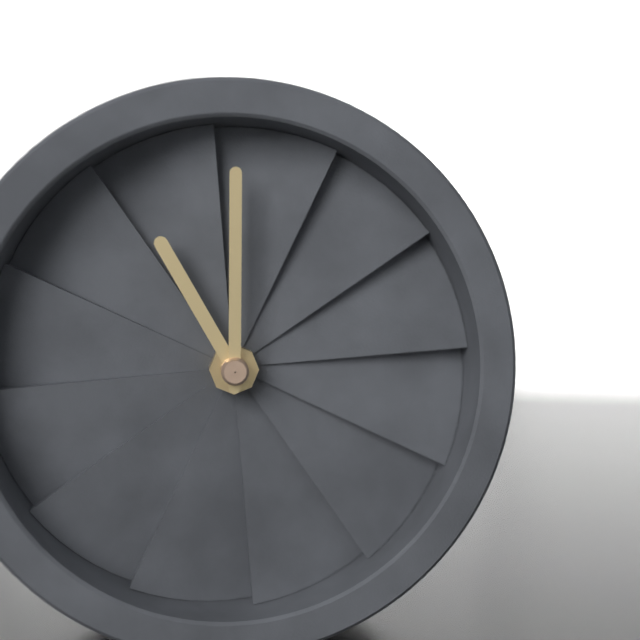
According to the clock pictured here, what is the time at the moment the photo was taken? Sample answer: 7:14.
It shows 11:00
